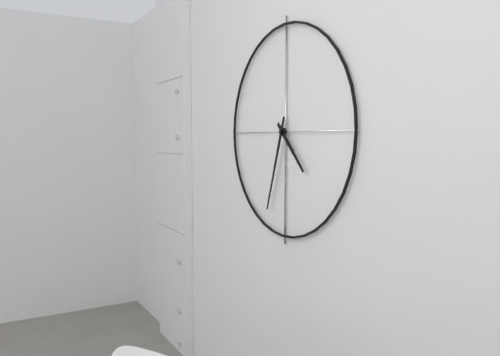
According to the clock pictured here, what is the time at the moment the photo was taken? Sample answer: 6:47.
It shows 4:33
